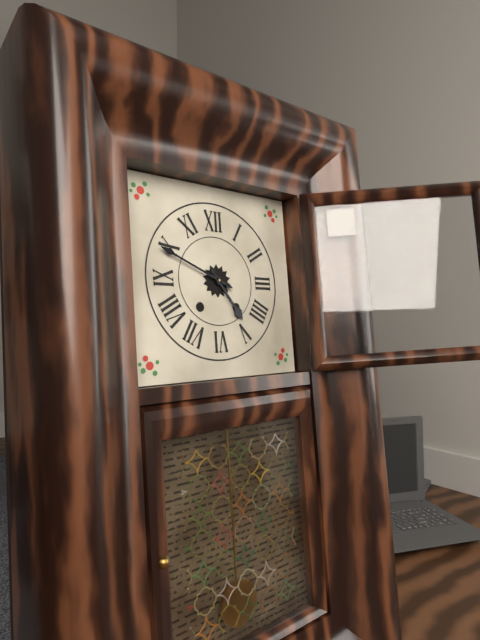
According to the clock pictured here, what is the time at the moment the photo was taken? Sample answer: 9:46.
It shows 4:49
